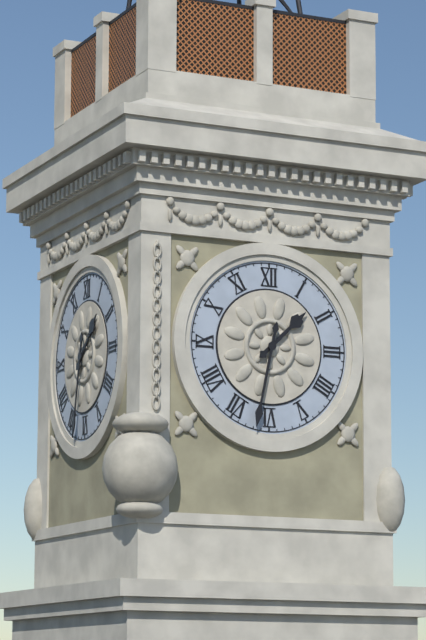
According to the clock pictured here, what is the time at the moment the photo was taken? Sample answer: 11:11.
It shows 1:32
